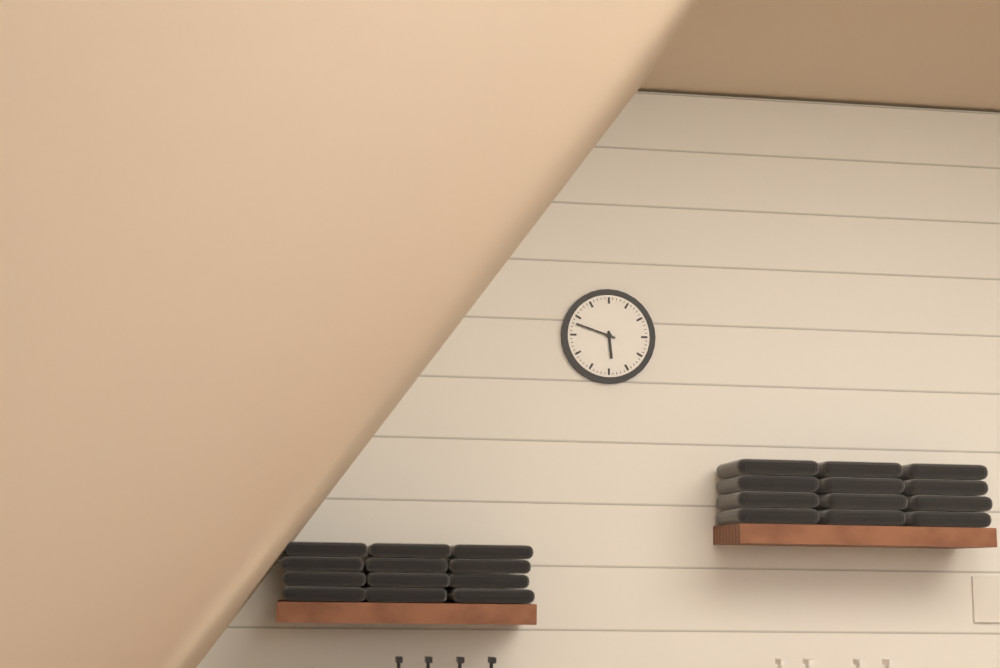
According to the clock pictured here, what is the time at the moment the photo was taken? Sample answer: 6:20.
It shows 5:48
